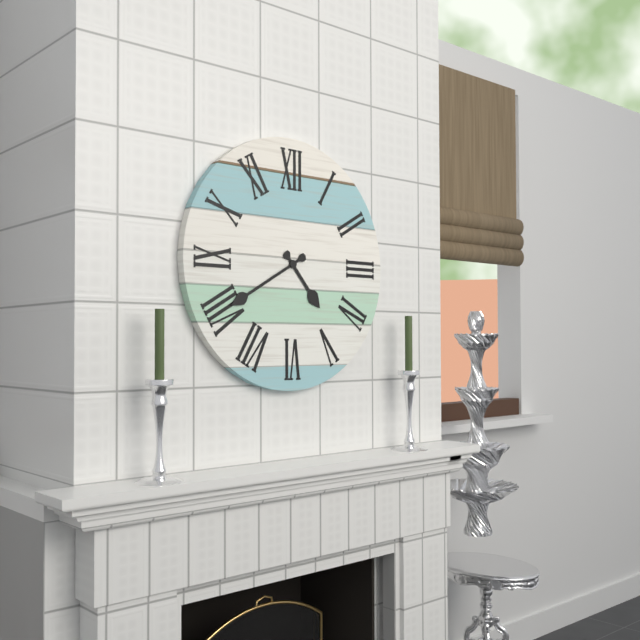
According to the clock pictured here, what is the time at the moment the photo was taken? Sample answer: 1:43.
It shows 4:40
